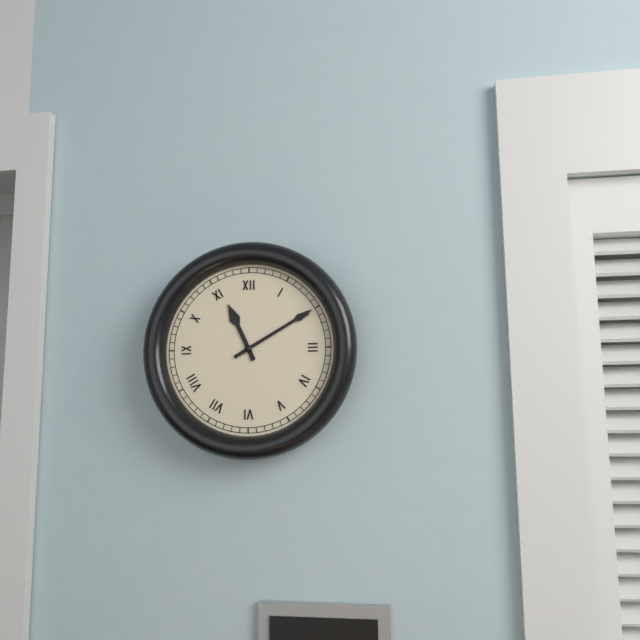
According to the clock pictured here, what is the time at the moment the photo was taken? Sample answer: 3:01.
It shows 11:10
